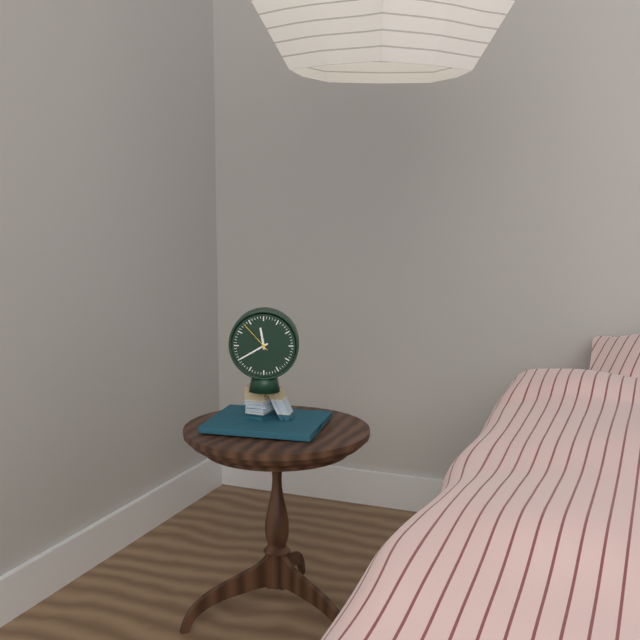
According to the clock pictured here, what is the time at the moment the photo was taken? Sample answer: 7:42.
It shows 11:40
